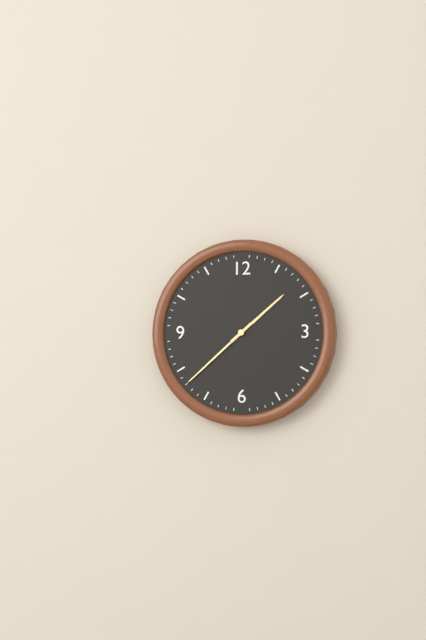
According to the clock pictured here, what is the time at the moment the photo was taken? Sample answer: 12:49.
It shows 1:38
